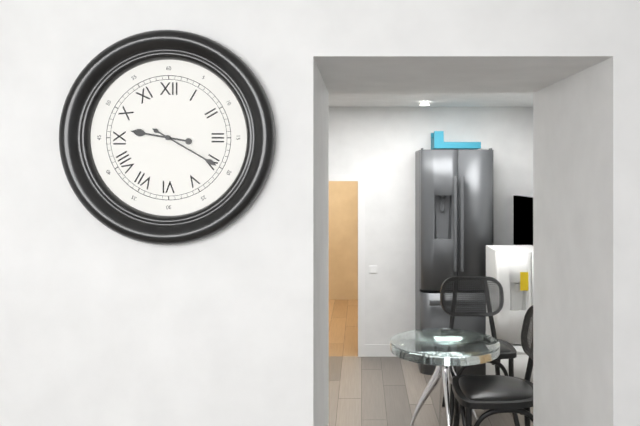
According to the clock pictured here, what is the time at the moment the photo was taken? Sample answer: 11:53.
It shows 9:20
